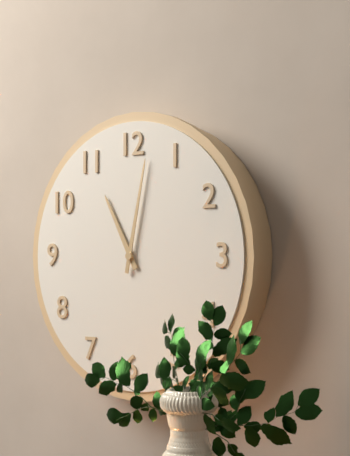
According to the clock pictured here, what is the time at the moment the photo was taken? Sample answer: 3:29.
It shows 11:02
